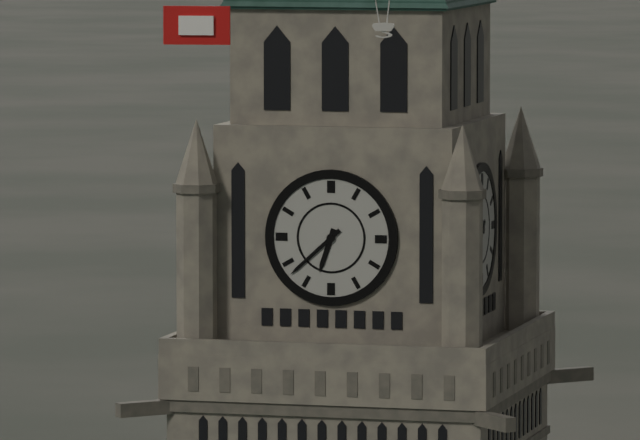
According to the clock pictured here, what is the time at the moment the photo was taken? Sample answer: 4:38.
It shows 6:38
